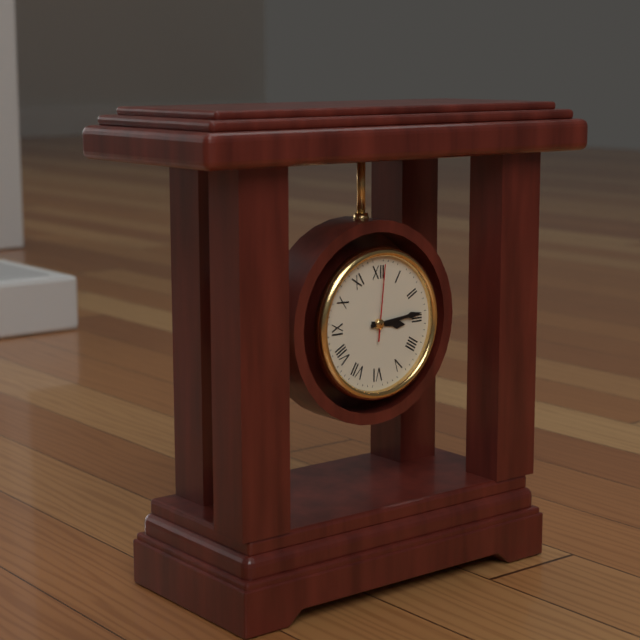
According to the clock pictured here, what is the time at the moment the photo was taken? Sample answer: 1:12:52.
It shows 3:14:01
